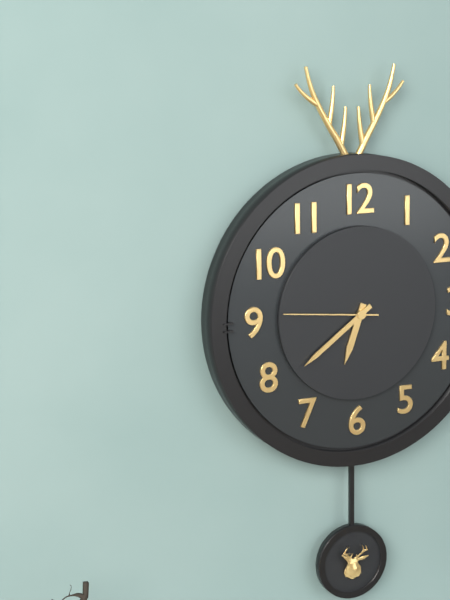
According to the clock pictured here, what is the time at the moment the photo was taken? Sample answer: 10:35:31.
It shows 6:39:46
